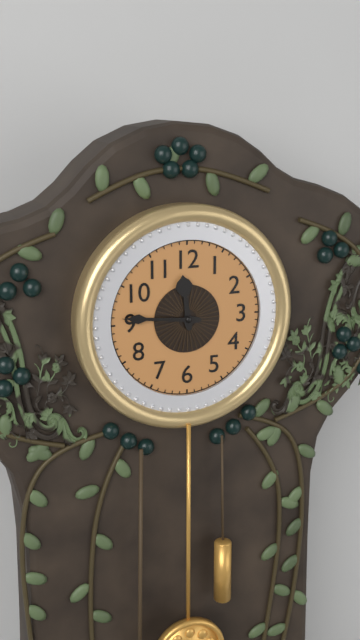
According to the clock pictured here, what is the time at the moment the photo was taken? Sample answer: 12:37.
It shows 11:46
